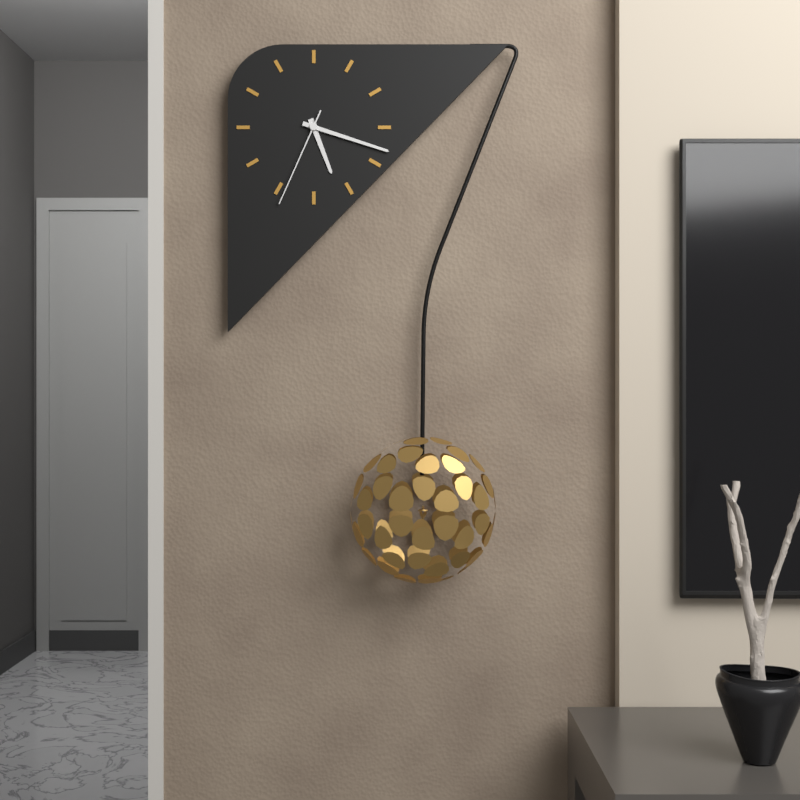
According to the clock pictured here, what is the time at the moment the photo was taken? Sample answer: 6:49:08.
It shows 5:18:34
